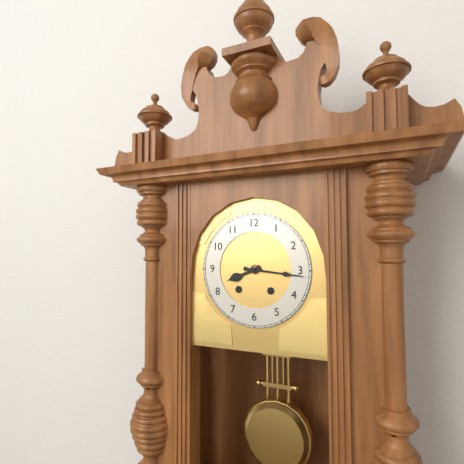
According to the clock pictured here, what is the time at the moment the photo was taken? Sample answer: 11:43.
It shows 8:16
